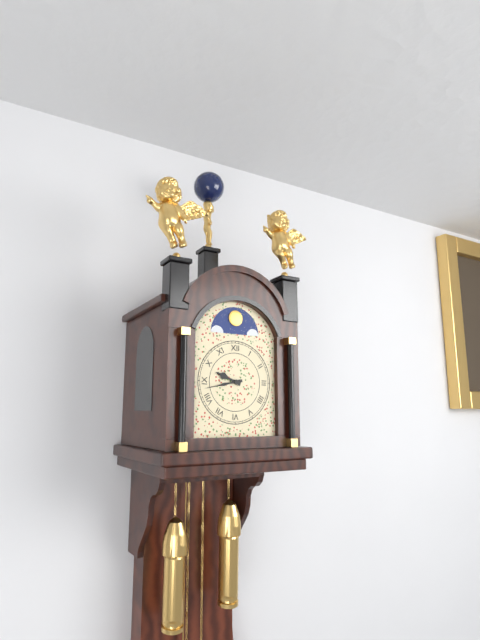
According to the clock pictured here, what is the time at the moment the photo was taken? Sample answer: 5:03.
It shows 9:43
